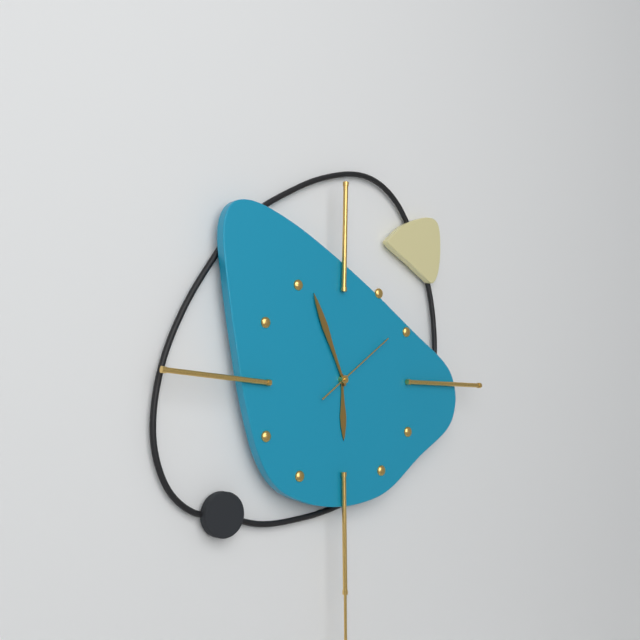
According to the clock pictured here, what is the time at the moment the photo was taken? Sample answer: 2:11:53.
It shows 5:56:09
